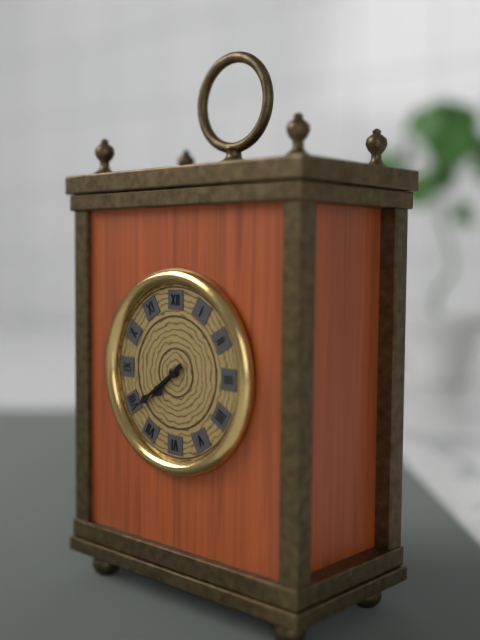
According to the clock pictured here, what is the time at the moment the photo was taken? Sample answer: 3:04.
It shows 7:39
